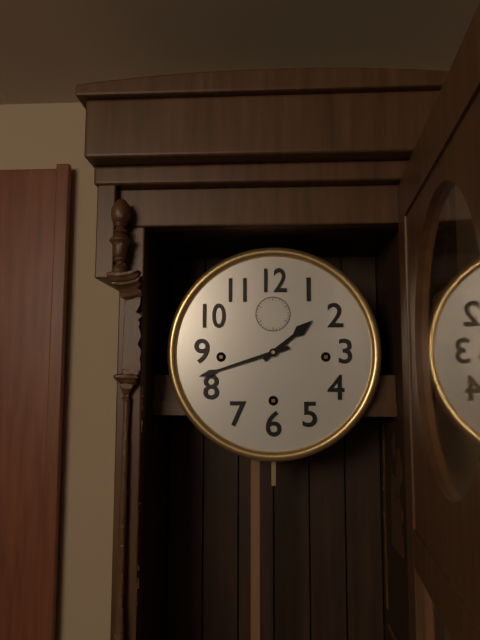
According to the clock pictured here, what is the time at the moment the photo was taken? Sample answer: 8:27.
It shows 1:42
